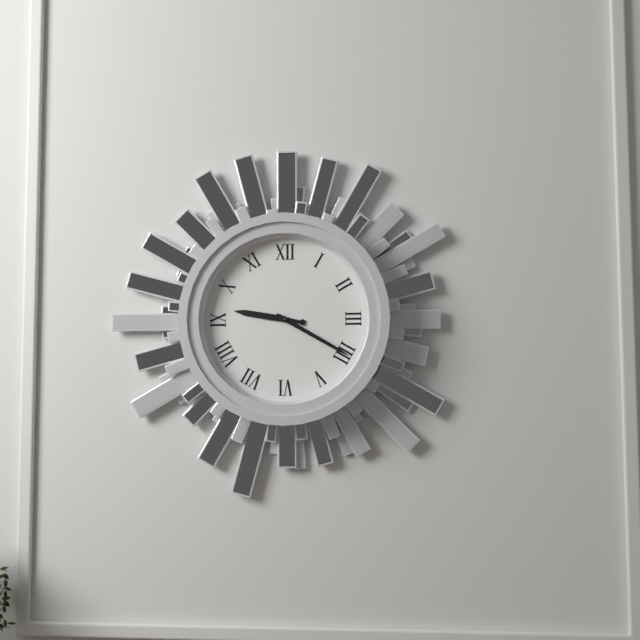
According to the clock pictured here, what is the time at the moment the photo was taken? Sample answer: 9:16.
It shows 9:20
